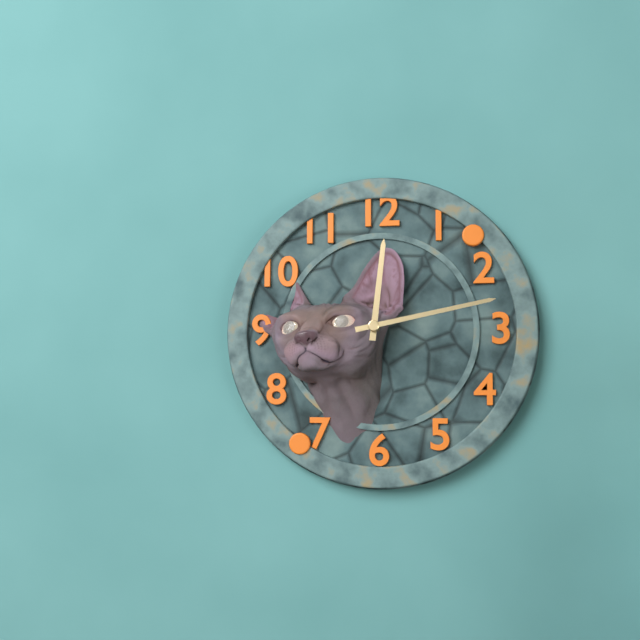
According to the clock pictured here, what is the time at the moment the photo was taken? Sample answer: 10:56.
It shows 12:13
